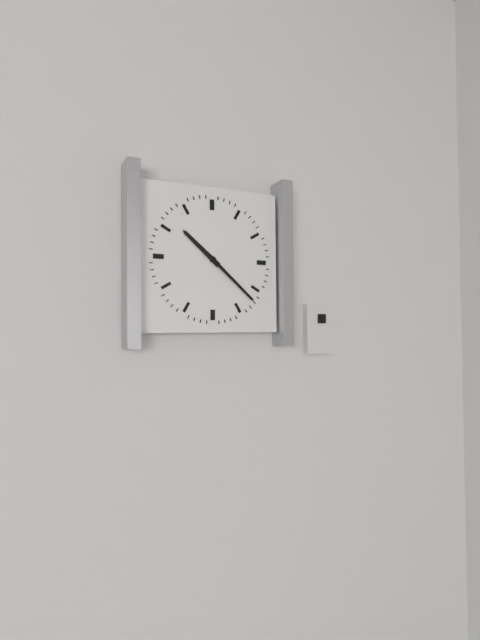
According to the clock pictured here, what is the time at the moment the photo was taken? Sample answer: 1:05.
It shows 10:22
